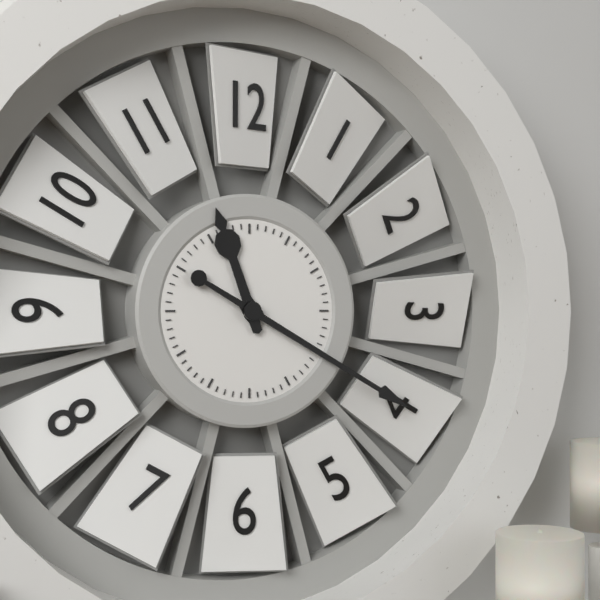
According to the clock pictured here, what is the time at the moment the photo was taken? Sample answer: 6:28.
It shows 11:20
